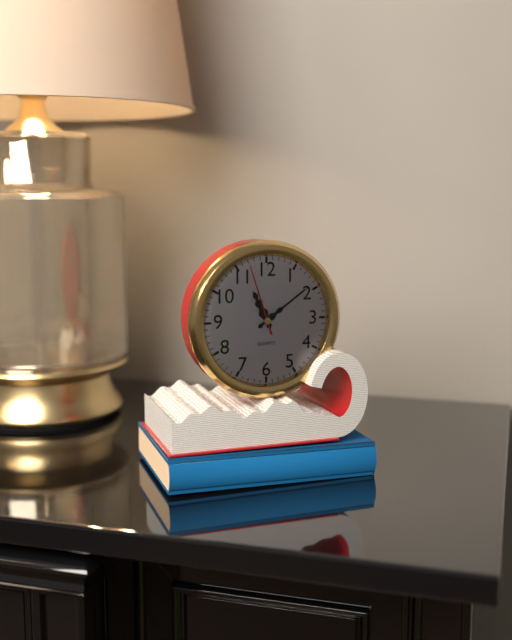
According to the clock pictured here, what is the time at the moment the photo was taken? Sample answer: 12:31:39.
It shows 11:09:57
